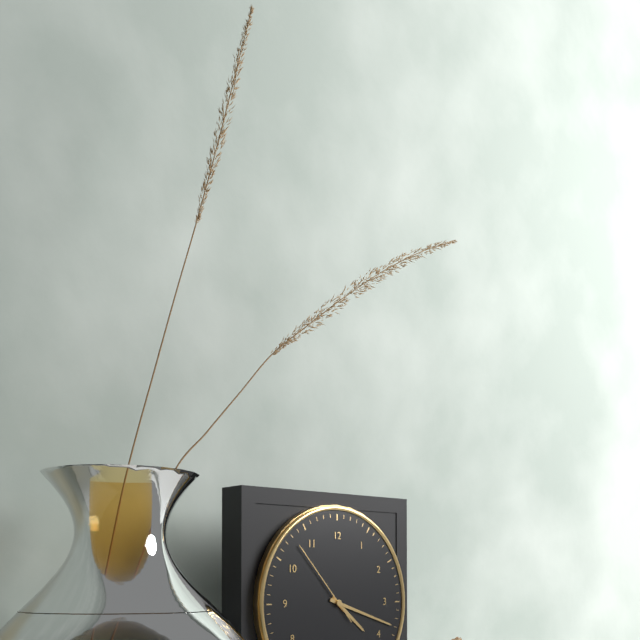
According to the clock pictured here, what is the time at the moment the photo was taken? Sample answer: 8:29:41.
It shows 4:18:53
